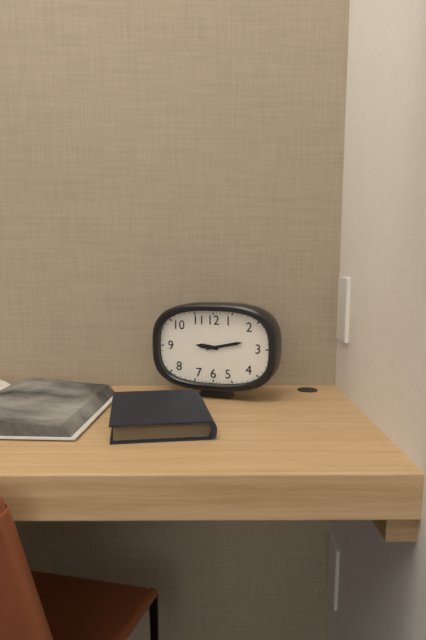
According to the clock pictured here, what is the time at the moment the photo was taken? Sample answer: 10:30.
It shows 9:13
